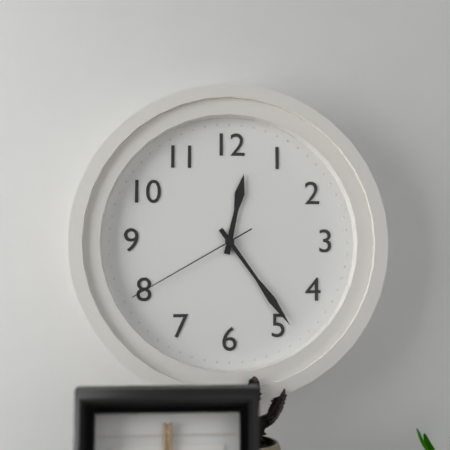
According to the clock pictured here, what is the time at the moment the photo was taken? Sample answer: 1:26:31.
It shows 12:24:40
